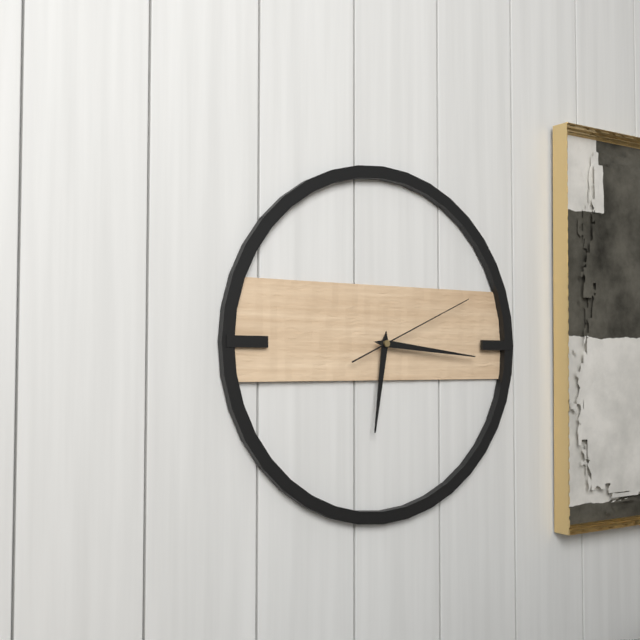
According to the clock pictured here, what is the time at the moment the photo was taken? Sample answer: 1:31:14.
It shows 6:16:11
